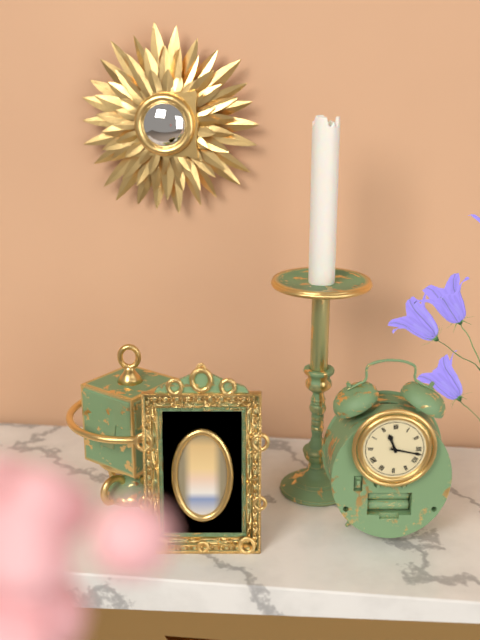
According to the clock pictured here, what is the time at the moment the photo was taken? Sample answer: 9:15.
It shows 11:17
